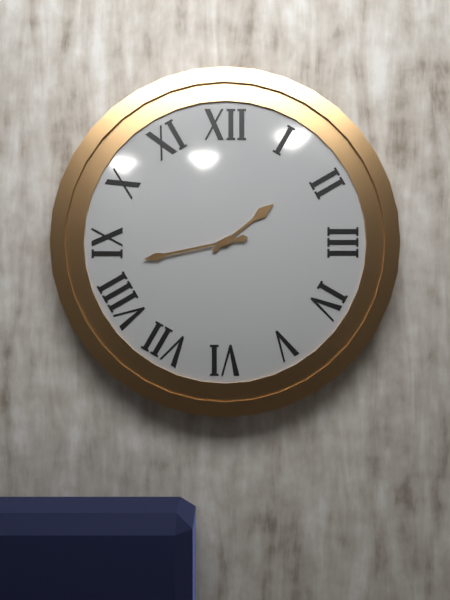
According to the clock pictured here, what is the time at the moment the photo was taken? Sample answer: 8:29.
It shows 1:43
